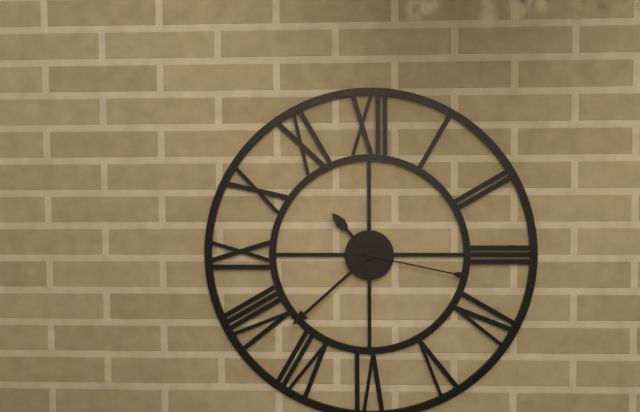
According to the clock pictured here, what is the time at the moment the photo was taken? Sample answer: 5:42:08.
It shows 10:38:17
